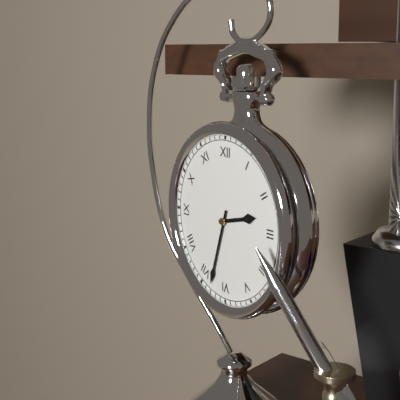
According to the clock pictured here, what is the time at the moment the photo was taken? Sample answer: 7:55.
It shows 2:33
